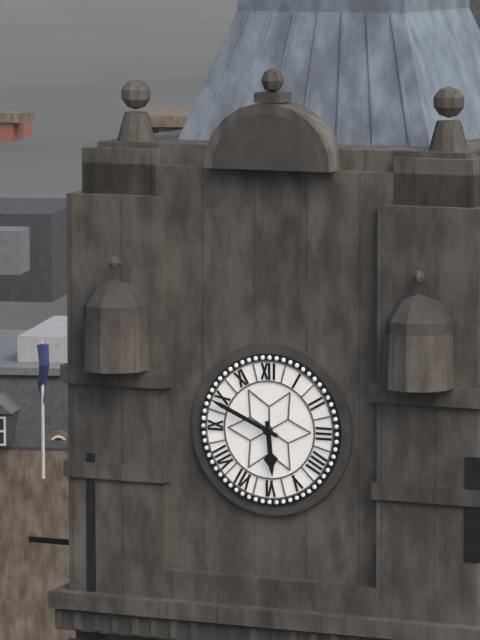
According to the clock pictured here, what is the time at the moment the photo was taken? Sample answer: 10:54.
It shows 5:49
